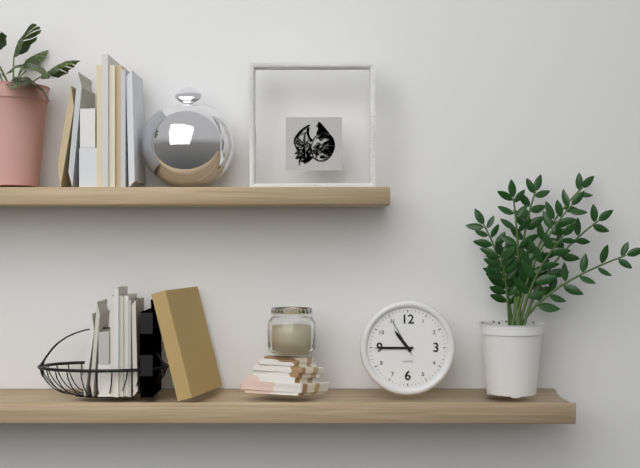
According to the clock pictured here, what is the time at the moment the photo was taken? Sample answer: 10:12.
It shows 10:45
